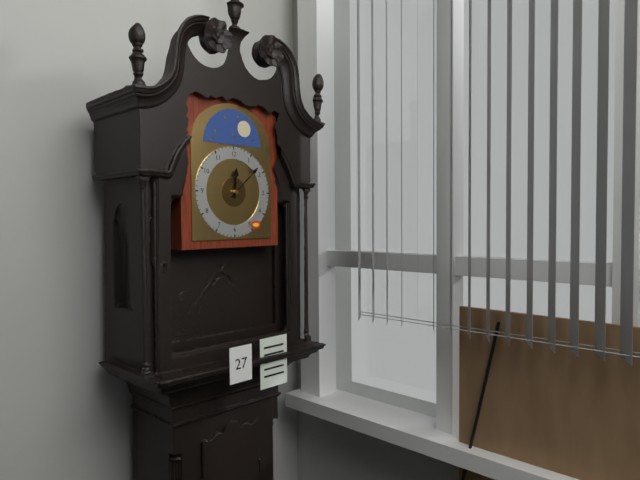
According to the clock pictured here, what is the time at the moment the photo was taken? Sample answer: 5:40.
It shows 12:08
